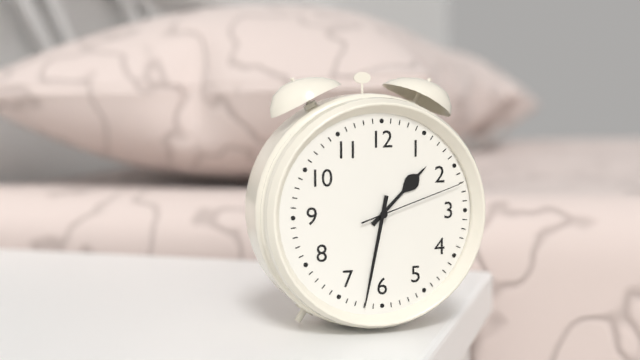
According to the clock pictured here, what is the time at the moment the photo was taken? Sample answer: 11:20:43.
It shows 1:32:12
